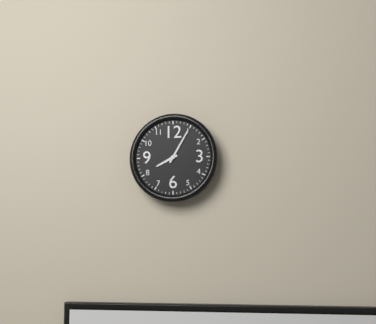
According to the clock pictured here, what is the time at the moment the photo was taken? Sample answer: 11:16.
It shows 8:05
